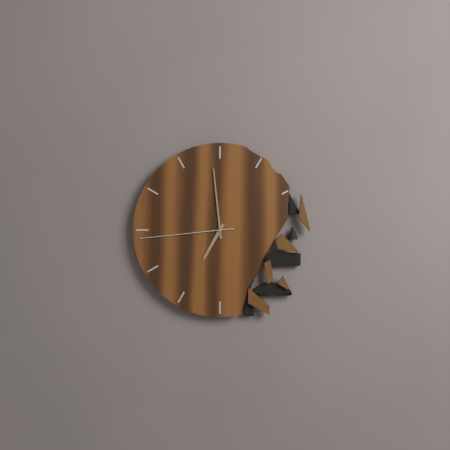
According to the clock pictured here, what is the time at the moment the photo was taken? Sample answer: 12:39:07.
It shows 6:59:44
